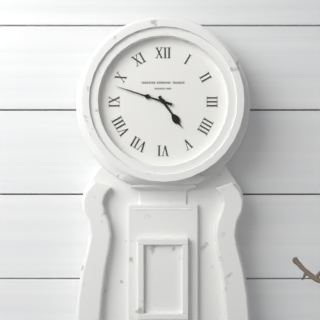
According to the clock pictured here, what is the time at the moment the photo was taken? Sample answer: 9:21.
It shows 4:48
